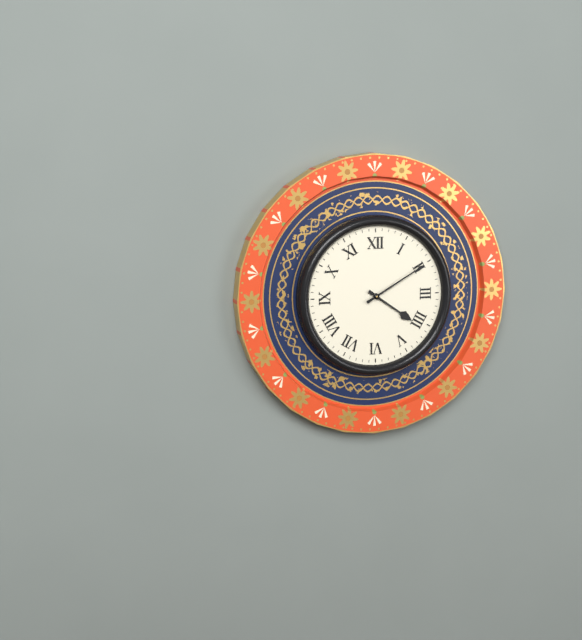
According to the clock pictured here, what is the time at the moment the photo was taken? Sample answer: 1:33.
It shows 4:10
